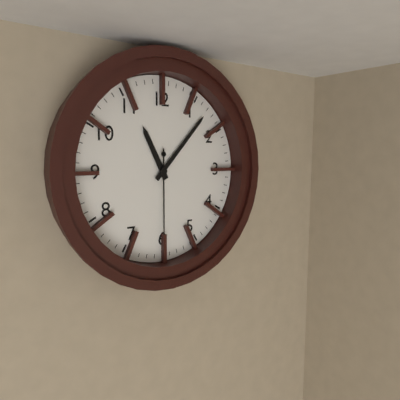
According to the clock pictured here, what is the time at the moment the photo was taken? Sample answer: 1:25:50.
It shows 11:07:30
